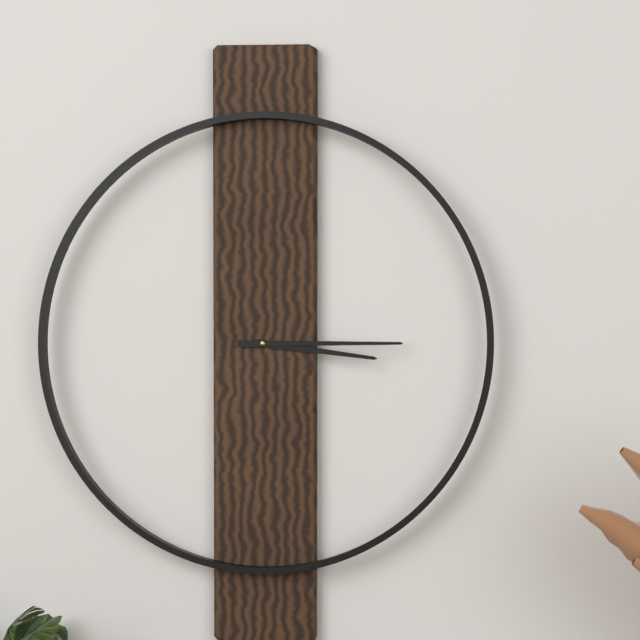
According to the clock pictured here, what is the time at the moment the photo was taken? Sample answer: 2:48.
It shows 3:15
